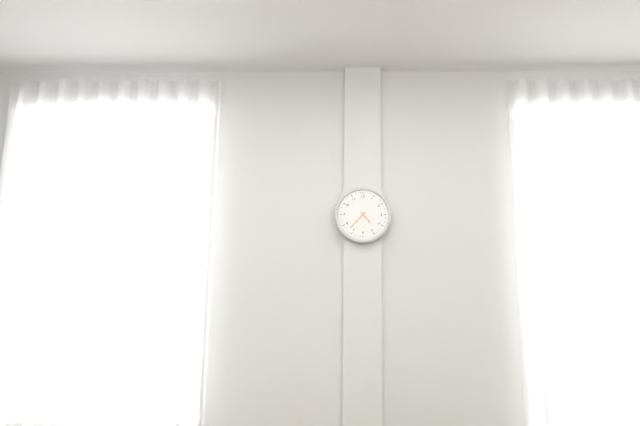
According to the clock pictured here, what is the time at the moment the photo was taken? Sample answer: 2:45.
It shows 4:37
